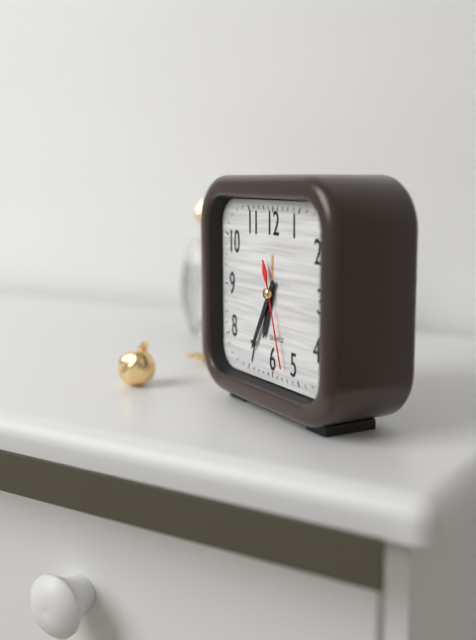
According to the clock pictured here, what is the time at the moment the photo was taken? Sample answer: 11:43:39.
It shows 6:35:27
